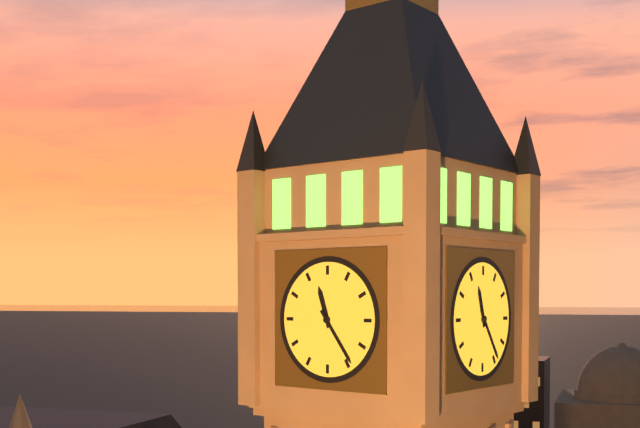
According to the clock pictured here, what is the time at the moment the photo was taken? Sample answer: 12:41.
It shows 11:24
